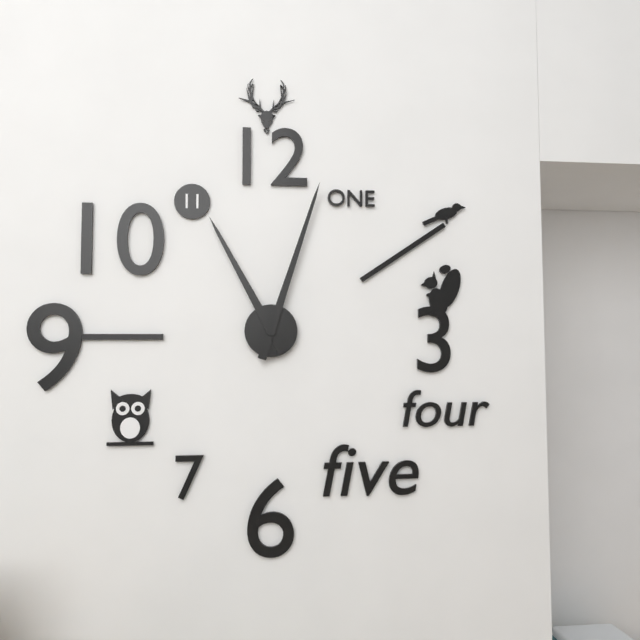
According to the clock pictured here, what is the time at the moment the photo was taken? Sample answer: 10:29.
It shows 11:03
